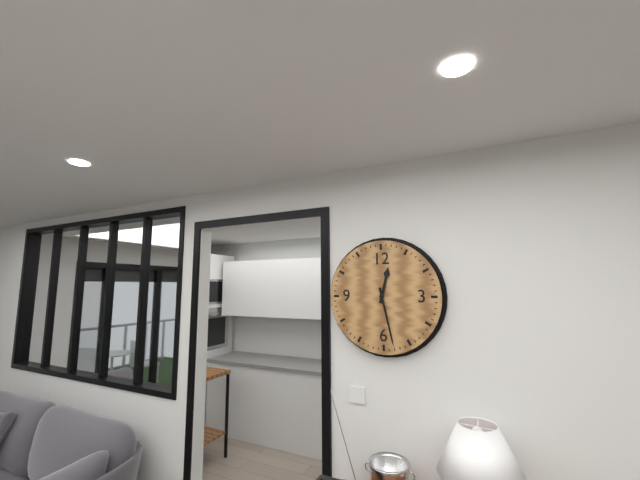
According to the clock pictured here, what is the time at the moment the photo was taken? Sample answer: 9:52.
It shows 12:28
